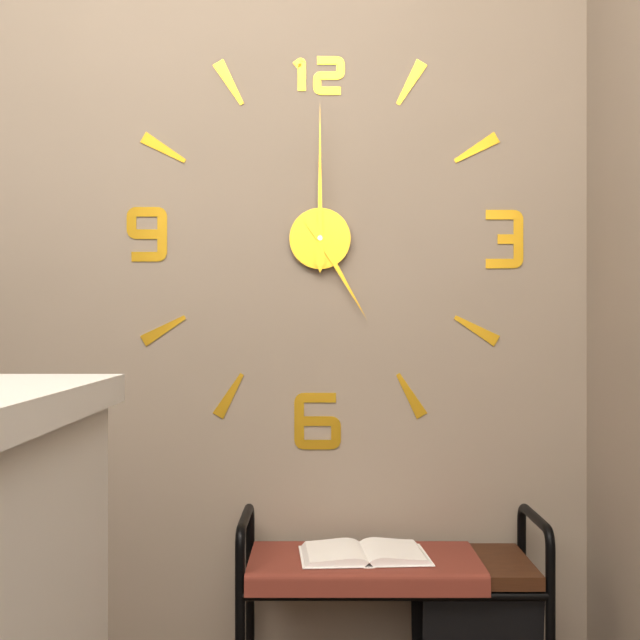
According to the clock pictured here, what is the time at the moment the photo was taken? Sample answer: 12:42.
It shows 5:00
